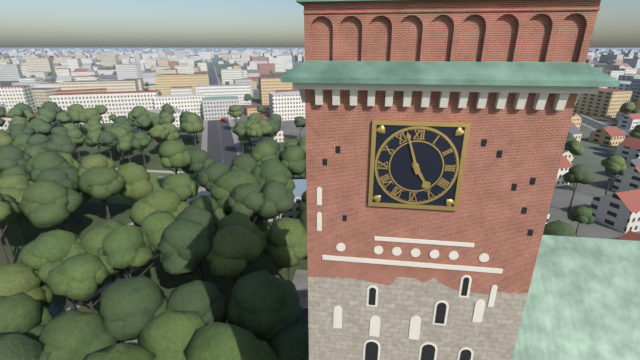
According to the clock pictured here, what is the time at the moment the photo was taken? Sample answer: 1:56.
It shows 4:57
